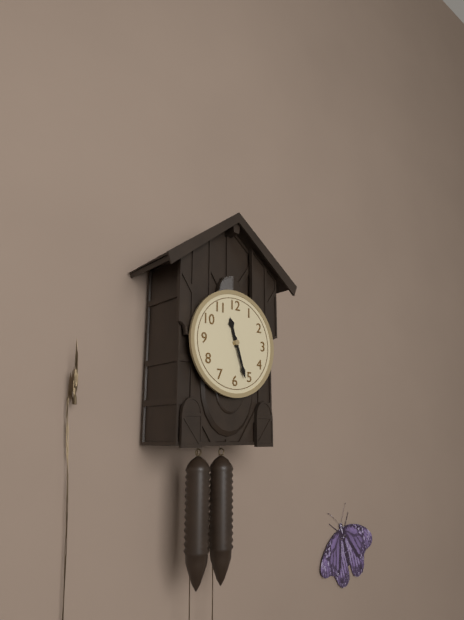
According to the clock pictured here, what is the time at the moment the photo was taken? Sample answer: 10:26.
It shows 11:27
